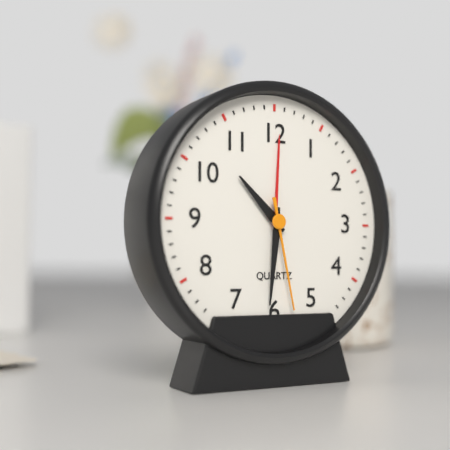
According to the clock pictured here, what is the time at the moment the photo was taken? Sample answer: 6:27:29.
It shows 10:31:28
